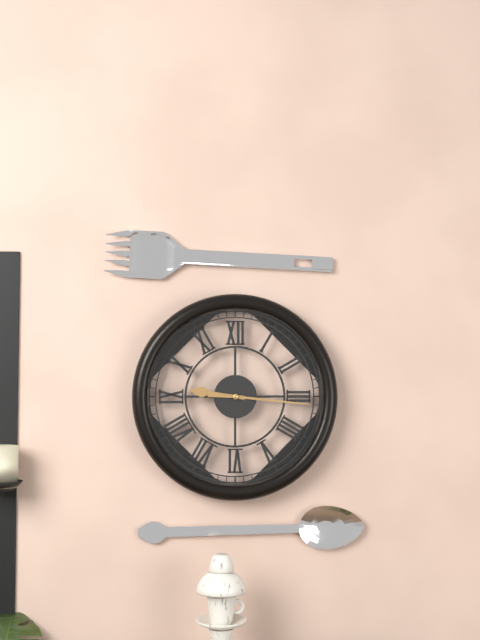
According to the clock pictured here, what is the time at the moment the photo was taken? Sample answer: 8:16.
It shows 9:16
